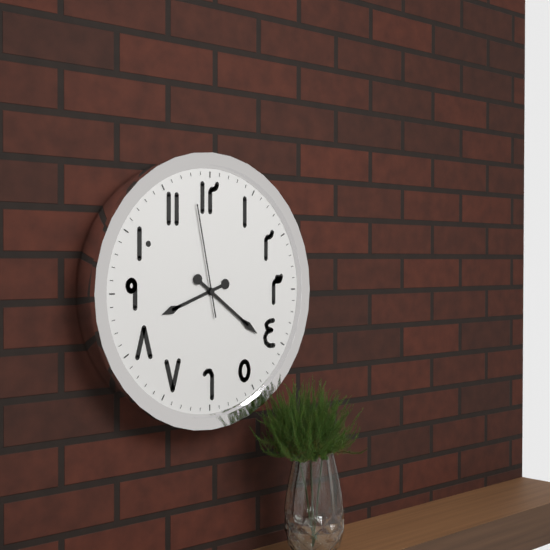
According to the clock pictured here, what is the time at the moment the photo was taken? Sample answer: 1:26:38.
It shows 8:21:58
